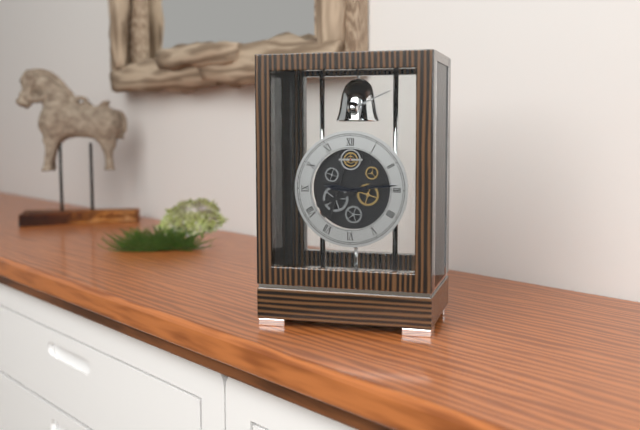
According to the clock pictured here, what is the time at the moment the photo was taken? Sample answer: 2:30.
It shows 9:14
